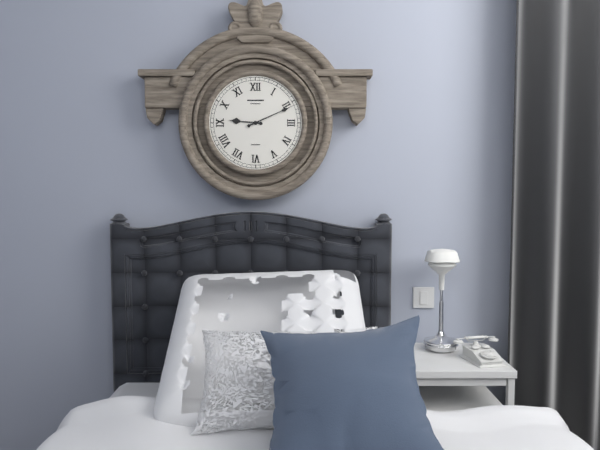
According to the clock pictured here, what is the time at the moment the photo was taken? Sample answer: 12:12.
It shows 9:11
